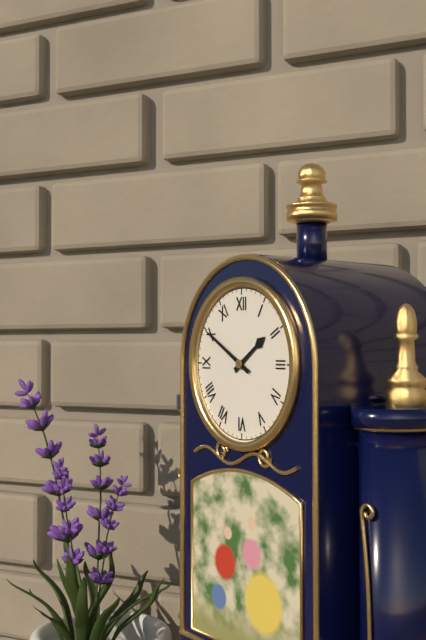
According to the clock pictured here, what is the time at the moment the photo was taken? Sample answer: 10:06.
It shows 1:50
